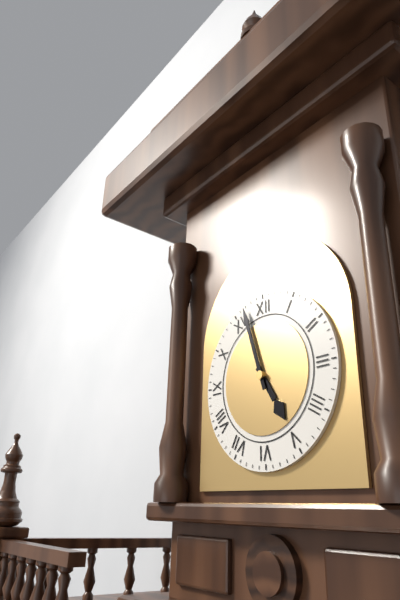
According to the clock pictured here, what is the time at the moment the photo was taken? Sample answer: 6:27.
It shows 4:57
